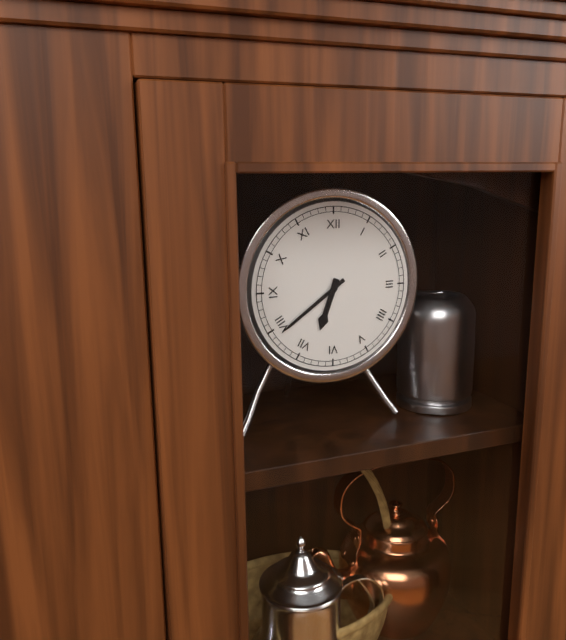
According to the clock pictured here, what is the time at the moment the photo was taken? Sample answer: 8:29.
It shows 6:39
